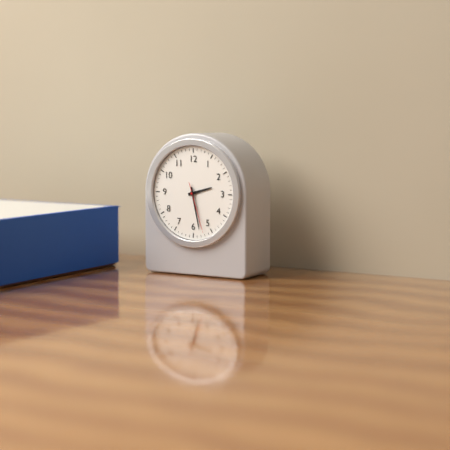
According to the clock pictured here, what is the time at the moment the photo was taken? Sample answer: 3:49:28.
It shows 2:28:27
